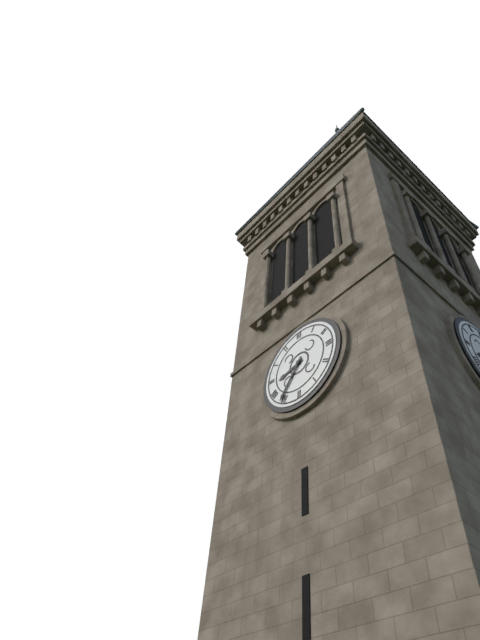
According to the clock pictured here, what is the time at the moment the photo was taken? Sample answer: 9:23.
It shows 8:36
